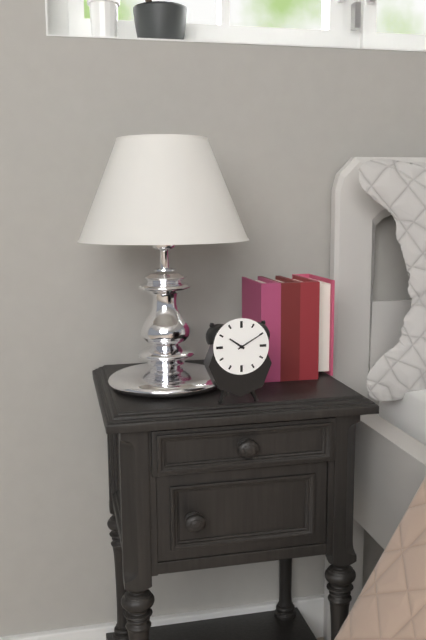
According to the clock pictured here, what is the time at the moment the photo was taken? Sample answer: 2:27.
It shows 10:10
